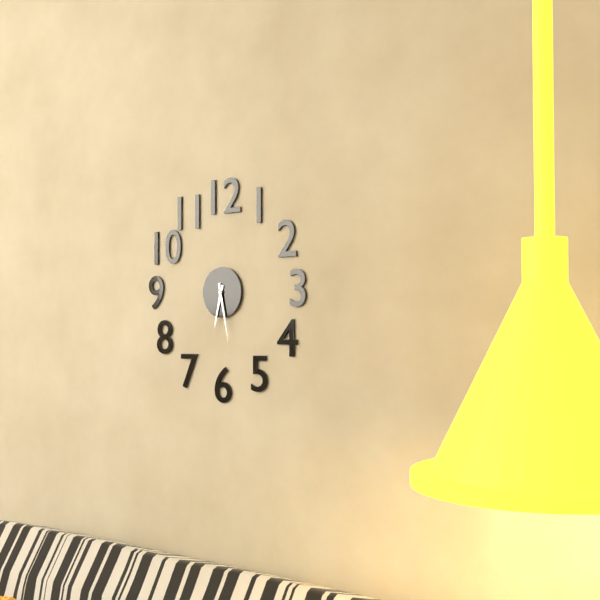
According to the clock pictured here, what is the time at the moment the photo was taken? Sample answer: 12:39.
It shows 6:28
